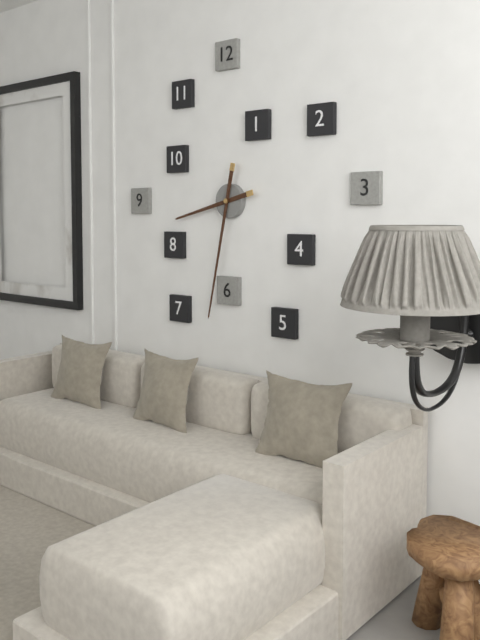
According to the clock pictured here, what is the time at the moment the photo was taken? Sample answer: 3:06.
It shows 8:32
